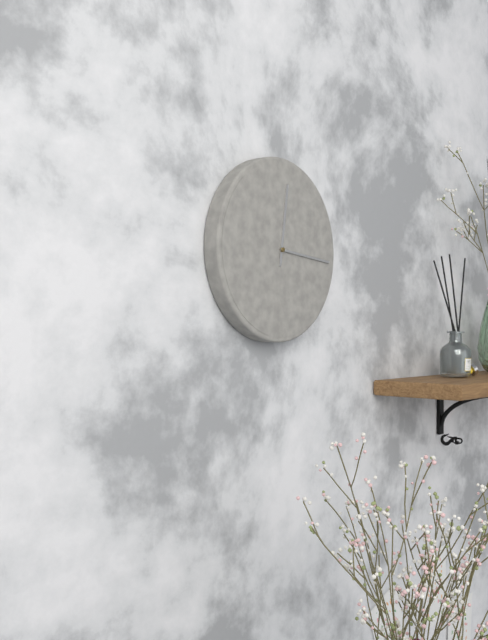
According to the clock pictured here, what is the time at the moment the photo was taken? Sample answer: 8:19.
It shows 12:16
